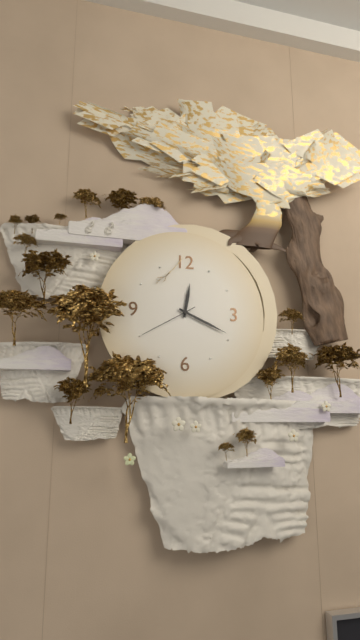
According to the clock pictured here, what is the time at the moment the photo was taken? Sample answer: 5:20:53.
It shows 12:19:40
